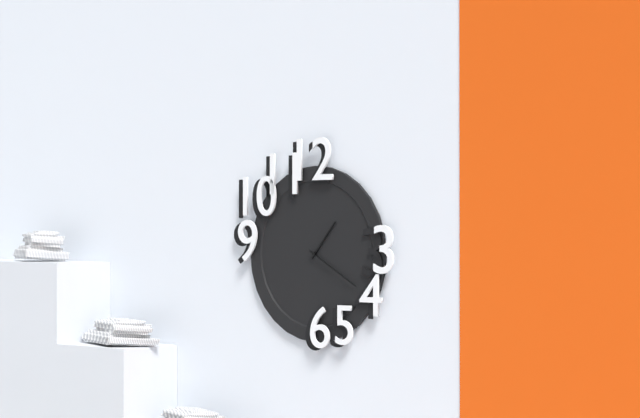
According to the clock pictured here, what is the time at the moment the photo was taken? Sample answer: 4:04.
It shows 1:20
